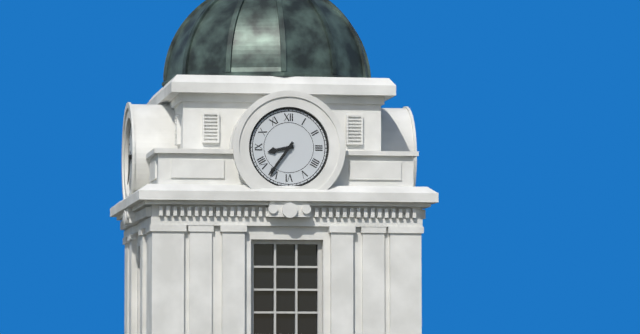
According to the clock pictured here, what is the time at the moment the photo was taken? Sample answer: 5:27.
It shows 8:36
